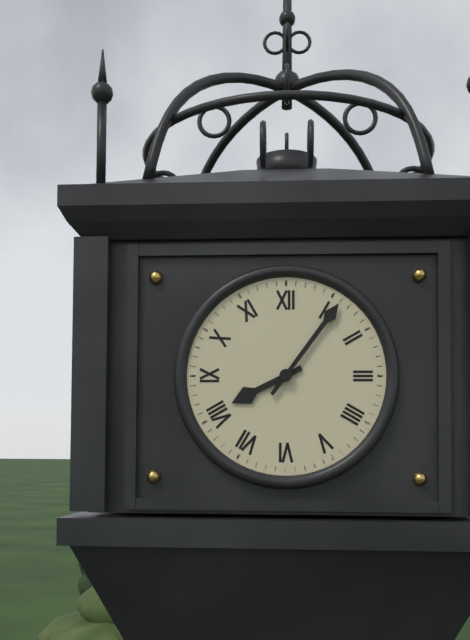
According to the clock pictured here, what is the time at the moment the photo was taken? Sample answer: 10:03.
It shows 8:06
